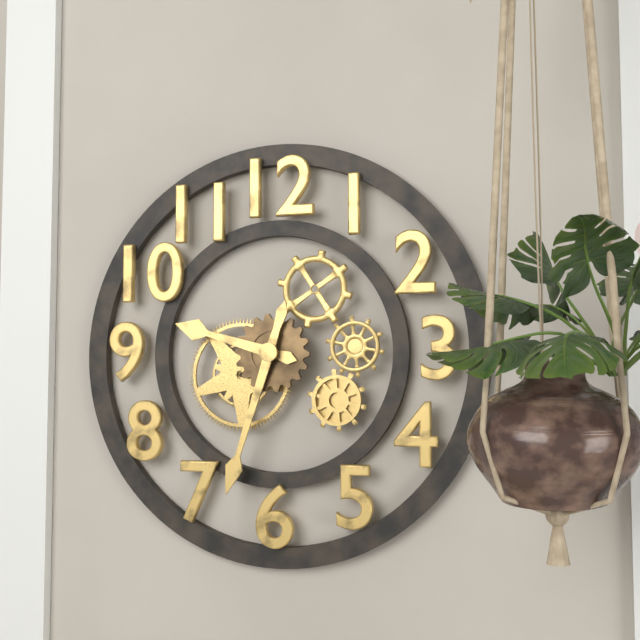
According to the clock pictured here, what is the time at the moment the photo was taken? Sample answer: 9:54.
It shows 9:33
